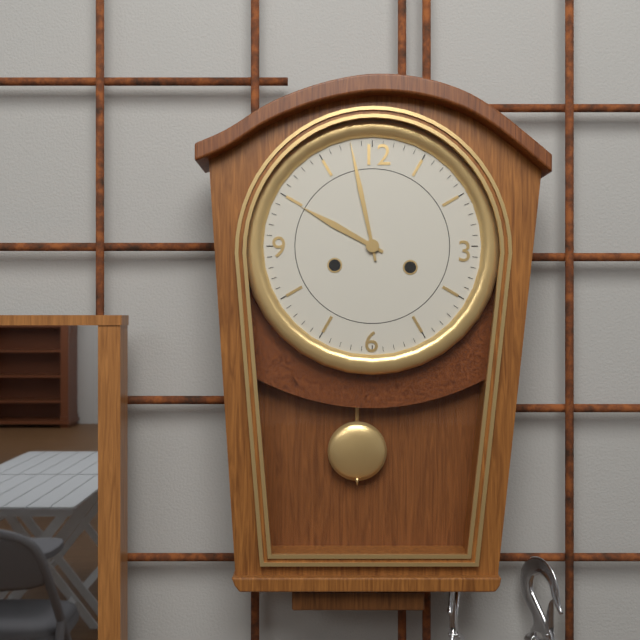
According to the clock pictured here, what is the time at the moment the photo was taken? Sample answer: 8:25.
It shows 9:58
